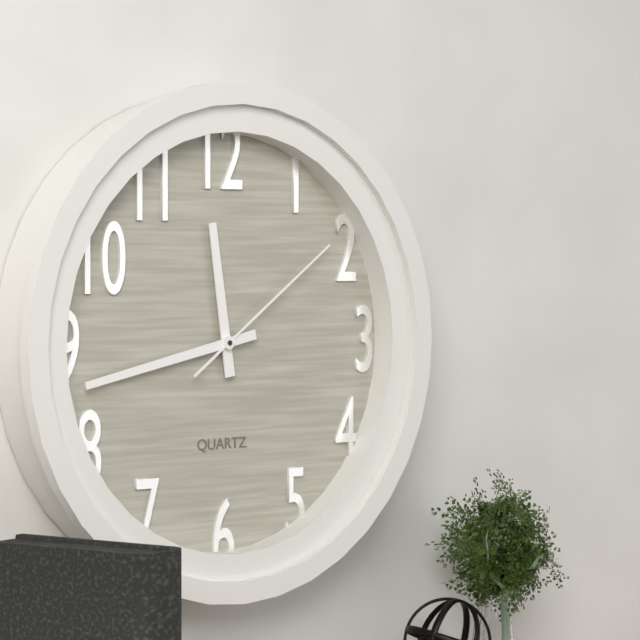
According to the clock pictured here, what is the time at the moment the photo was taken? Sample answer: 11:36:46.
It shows 11:43:09
